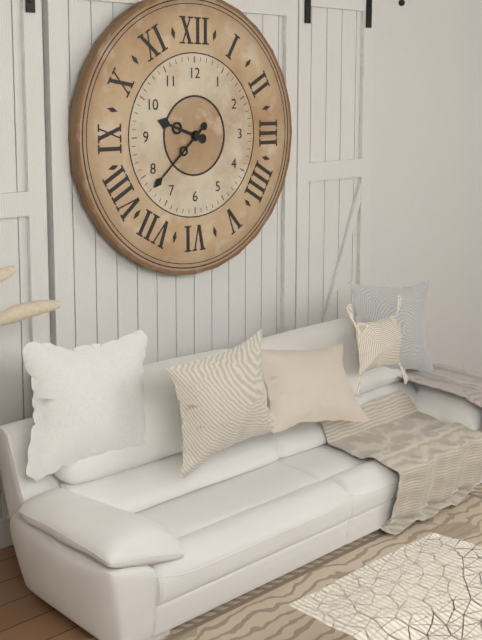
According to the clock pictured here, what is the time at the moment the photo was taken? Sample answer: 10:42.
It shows 9:38
